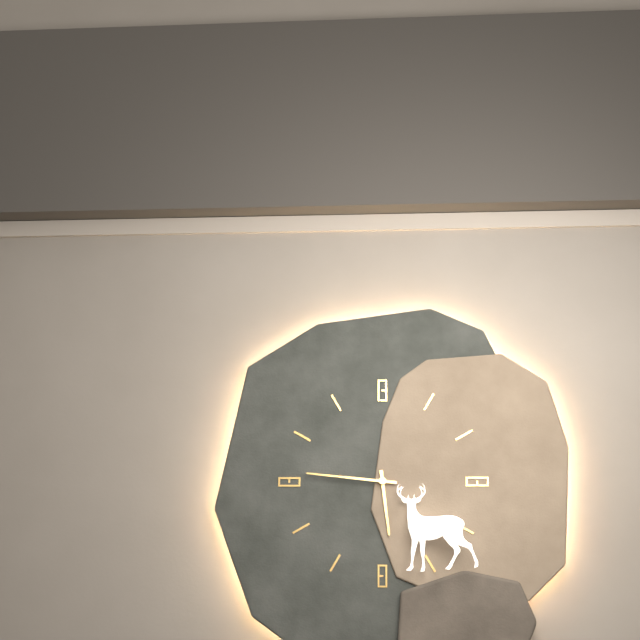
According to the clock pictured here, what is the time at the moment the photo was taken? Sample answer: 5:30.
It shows 5:46
